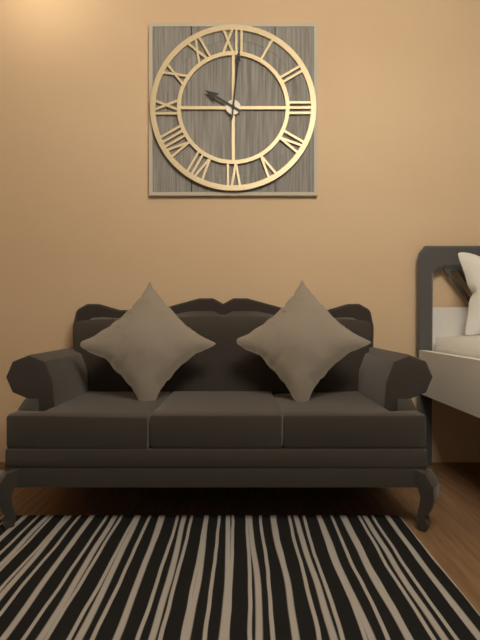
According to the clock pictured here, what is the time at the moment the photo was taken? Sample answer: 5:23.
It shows 10:01
